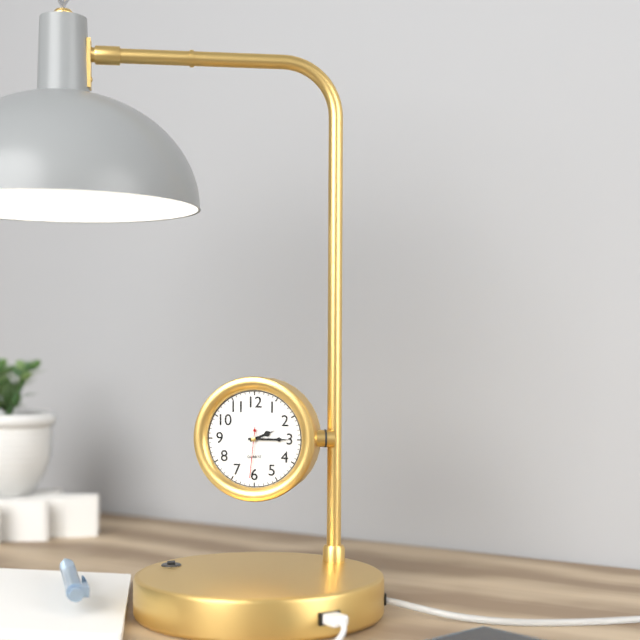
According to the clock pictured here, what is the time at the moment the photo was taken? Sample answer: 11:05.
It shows 2:15
